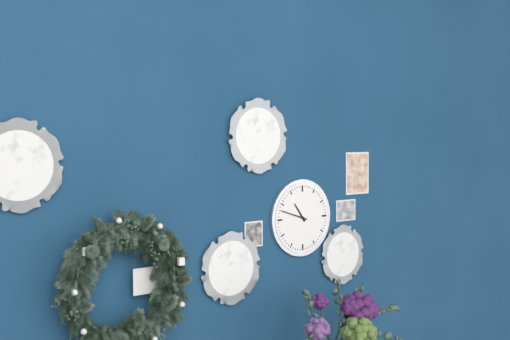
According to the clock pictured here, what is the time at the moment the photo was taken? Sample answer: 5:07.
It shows 10:48
